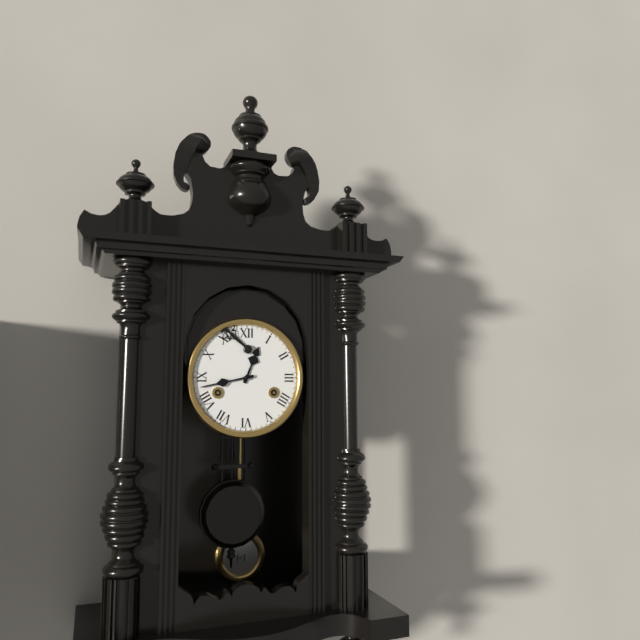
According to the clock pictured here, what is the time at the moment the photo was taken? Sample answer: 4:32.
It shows 12:43
